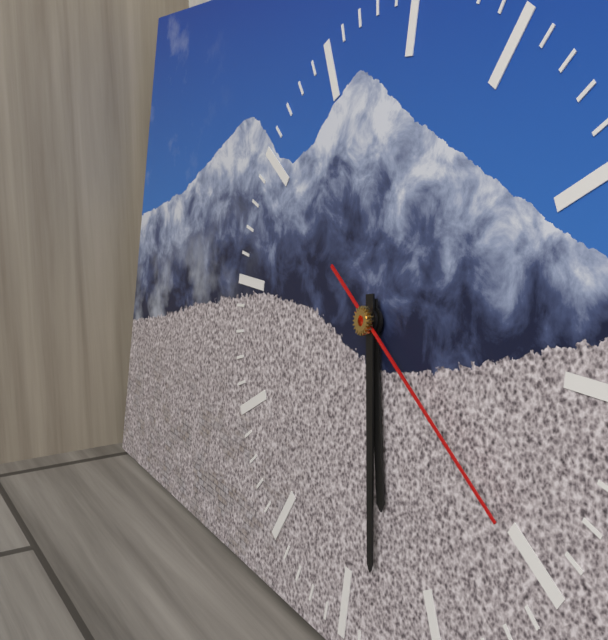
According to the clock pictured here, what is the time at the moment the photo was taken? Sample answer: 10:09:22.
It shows 5:28:20
